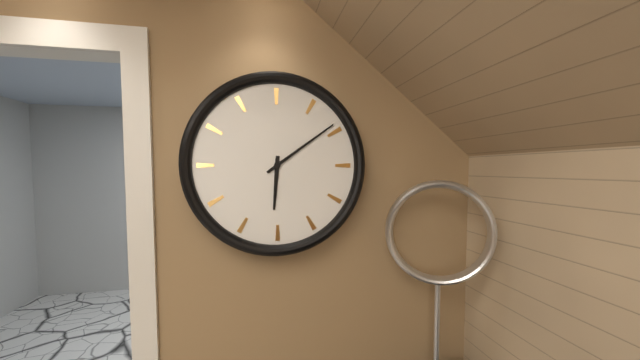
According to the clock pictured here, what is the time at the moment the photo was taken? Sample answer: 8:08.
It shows 6:09
